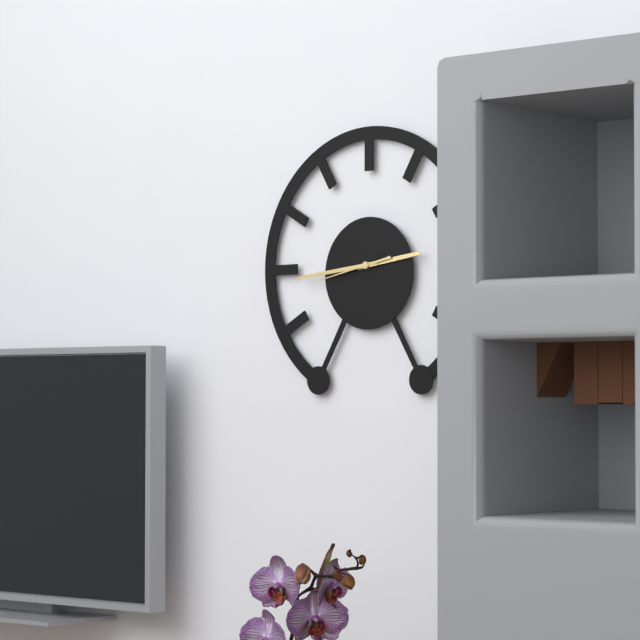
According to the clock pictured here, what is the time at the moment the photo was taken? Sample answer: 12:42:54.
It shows 2:44:43
